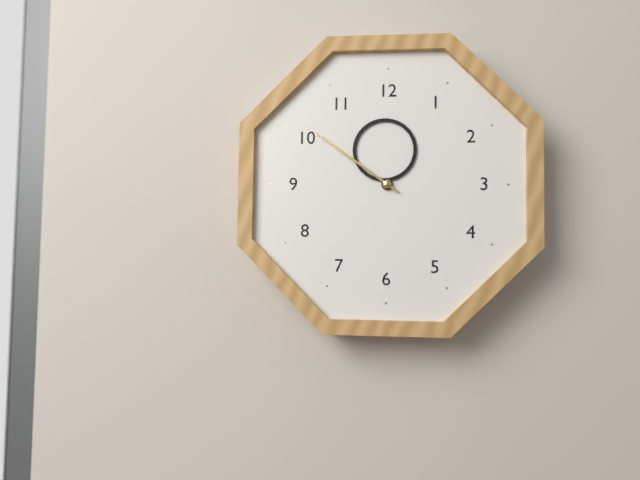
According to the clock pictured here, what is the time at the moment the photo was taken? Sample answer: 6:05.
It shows 11:51
